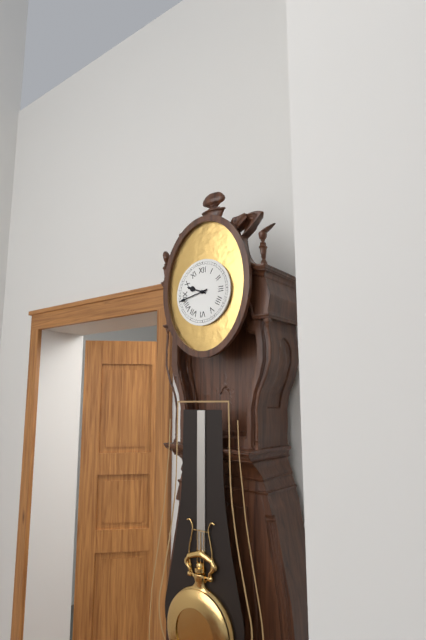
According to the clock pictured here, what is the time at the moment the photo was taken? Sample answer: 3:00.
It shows 9:43
